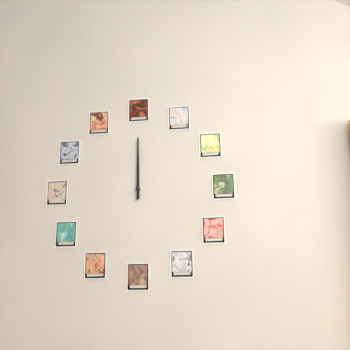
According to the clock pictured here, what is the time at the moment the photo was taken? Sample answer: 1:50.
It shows 12:00
